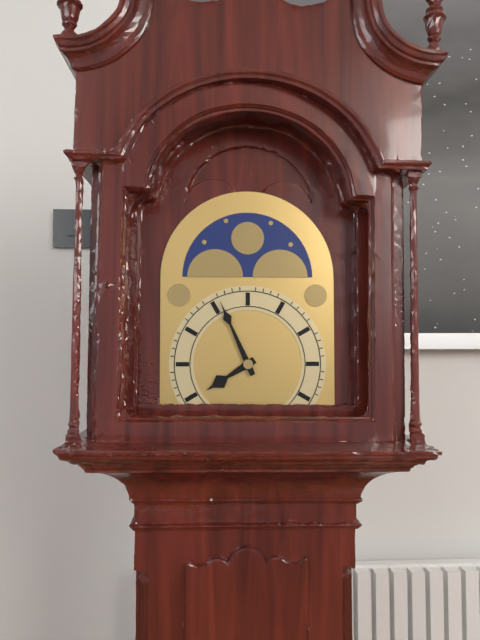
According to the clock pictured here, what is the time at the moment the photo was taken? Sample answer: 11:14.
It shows 7:56
